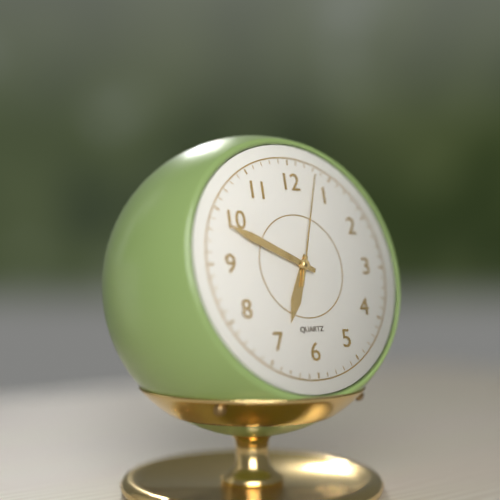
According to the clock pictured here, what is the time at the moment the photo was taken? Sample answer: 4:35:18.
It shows 6:49:03
